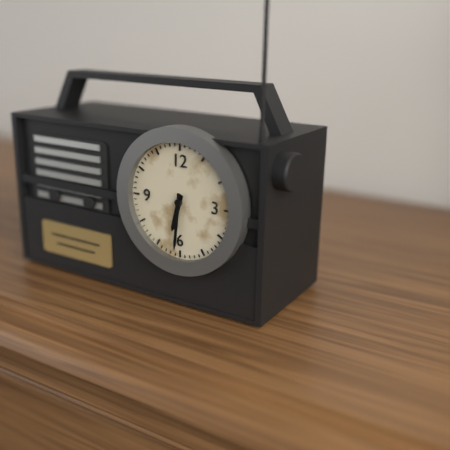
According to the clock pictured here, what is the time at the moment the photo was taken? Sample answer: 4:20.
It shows 6:31
